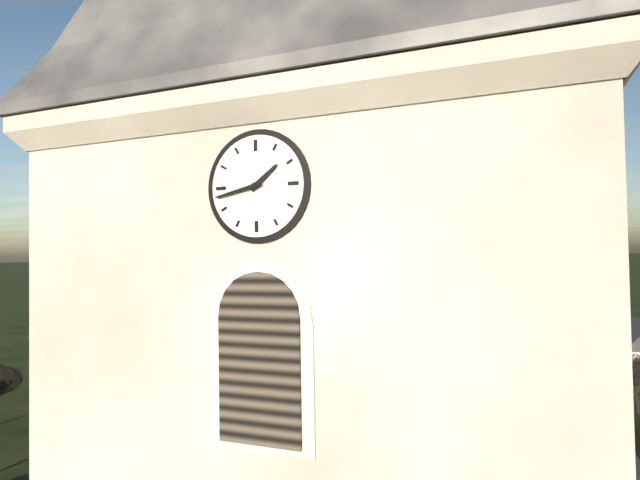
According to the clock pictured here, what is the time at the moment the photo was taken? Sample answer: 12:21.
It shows 1:43
